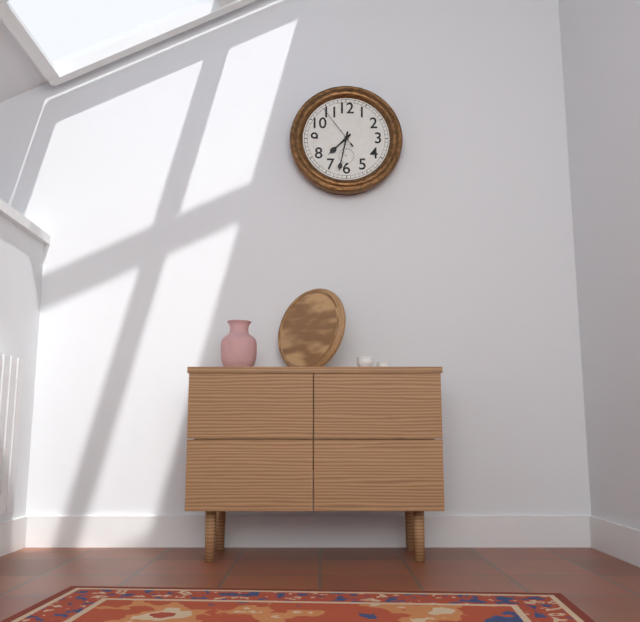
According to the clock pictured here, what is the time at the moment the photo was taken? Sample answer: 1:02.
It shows 7:32
